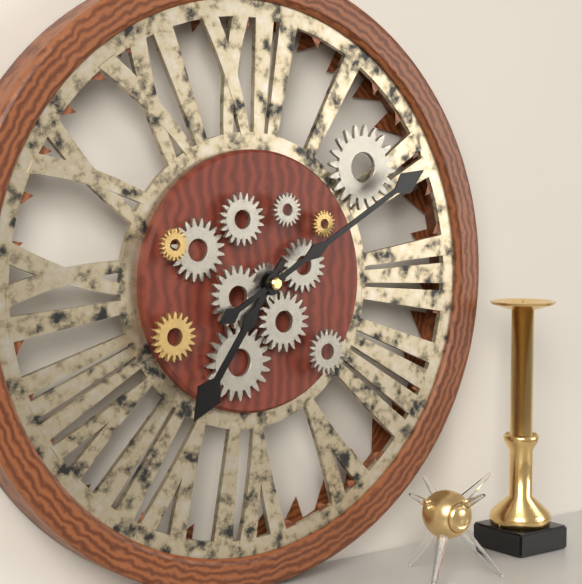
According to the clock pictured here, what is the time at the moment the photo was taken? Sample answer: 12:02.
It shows 7:10
